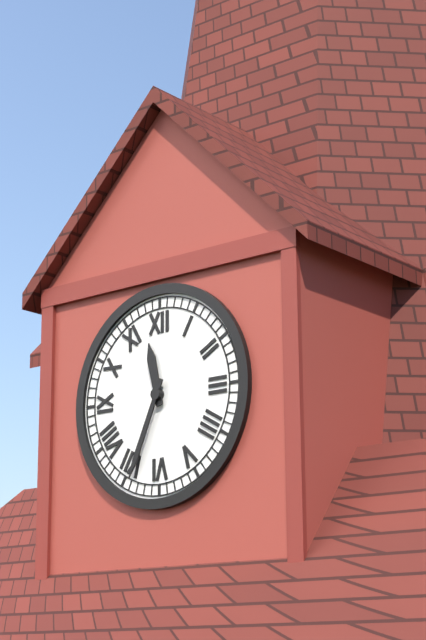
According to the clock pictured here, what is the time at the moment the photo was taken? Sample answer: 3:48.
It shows 11:34
